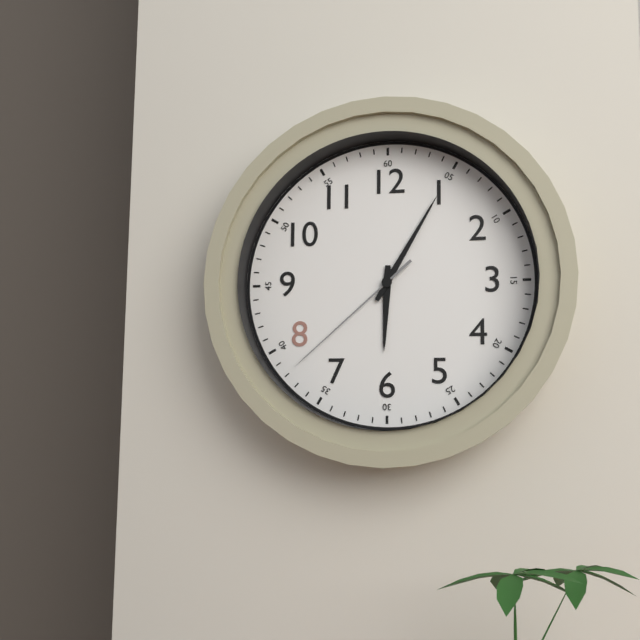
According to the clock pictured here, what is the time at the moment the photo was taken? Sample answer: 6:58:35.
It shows 6:05:38
